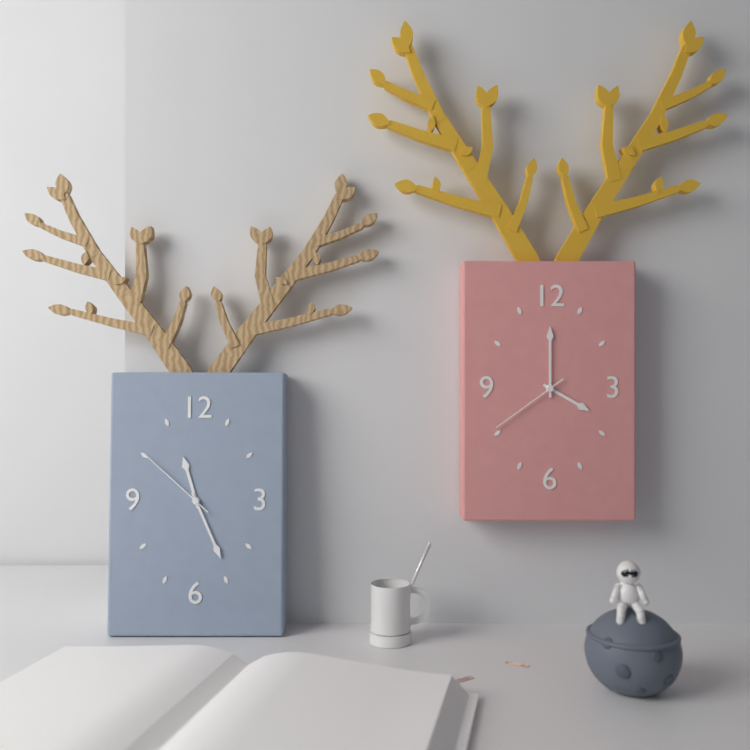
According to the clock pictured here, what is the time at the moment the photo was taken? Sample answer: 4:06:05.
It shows 11:26:52
